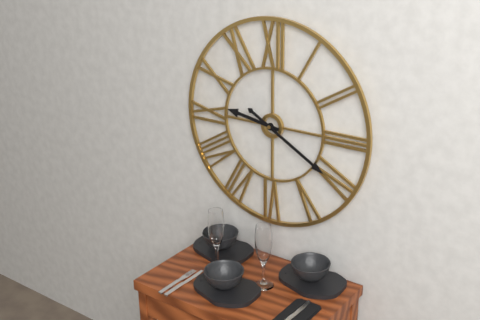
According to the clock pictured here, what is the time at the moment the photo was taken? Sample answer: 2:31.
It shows 9:20
